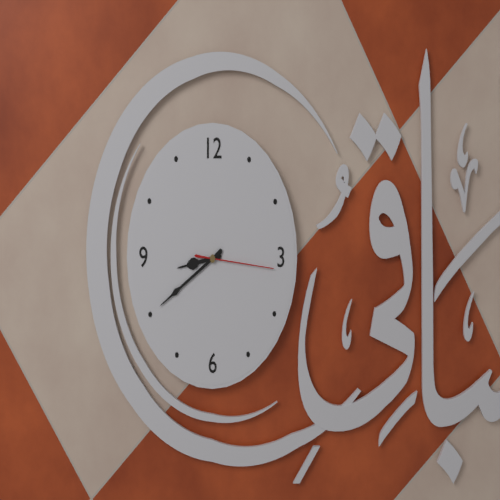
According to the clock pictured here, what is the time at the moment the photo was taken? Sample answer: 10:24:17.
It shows 8:40:16
